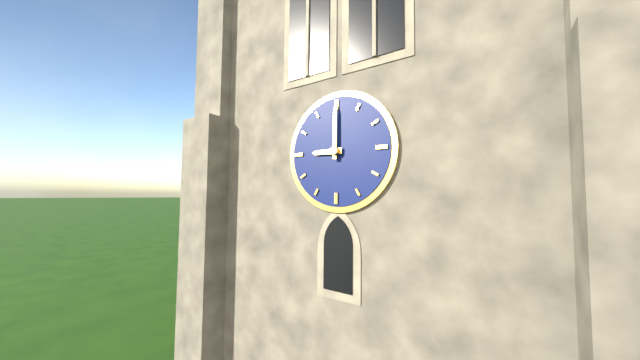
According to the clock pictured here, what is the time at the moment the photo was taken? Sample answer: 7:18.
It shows 9:00
